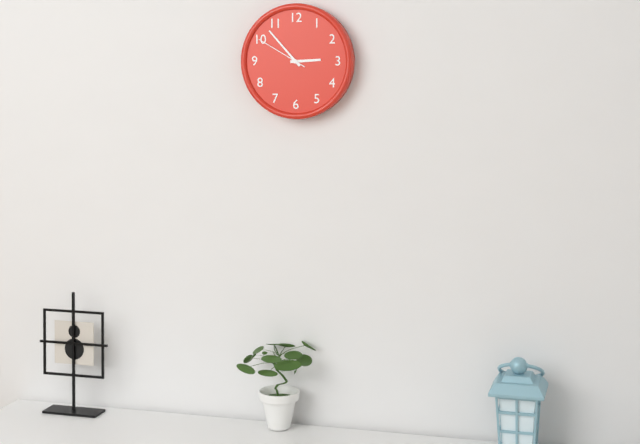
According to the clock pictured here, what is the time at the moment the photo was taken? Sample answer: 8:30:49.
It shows 2:53:50
